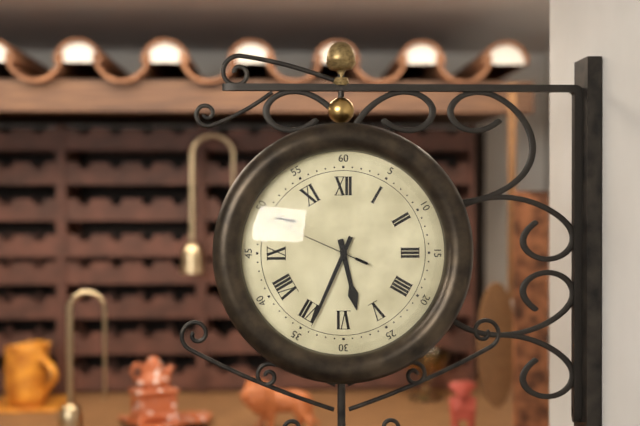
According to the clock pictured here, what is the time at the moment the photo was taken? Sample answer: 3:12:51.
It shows 5:34:49
